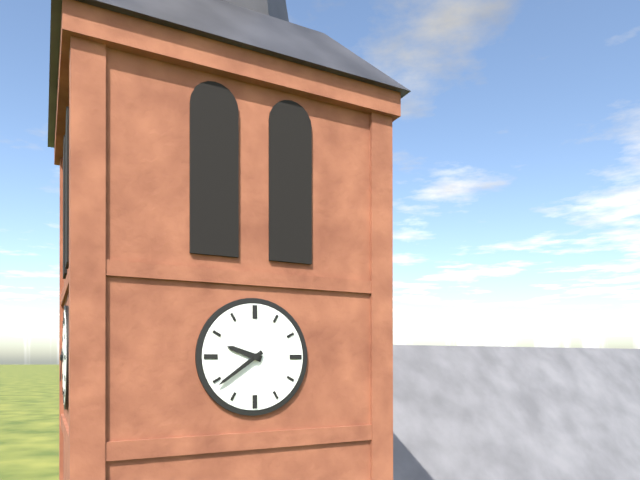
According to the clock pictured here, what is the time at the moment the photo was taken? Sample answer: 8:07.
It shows 9:39
